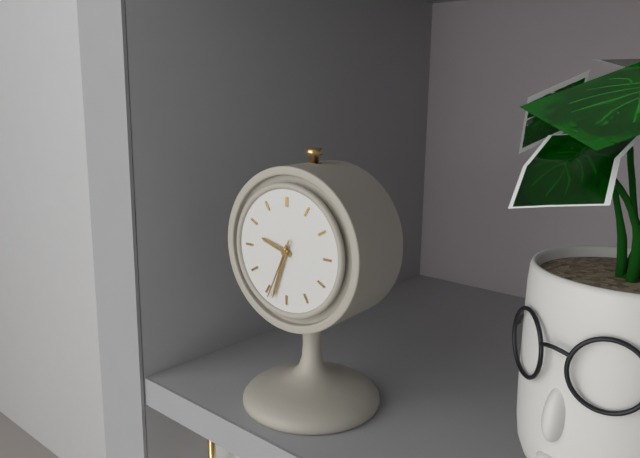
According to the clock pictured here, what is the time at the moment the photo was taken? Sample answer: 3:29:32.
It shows 9:33:34
